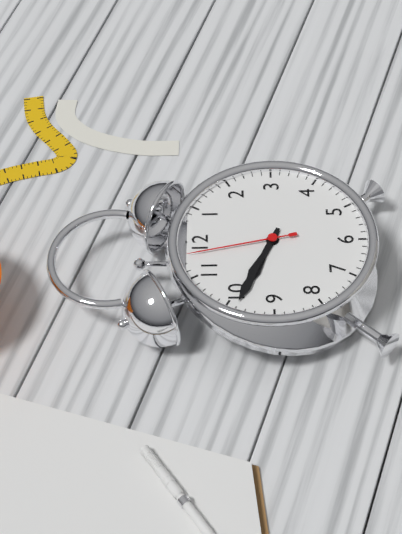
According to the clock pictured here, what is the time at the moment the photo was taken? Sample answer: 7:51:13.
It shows 9:49:58
